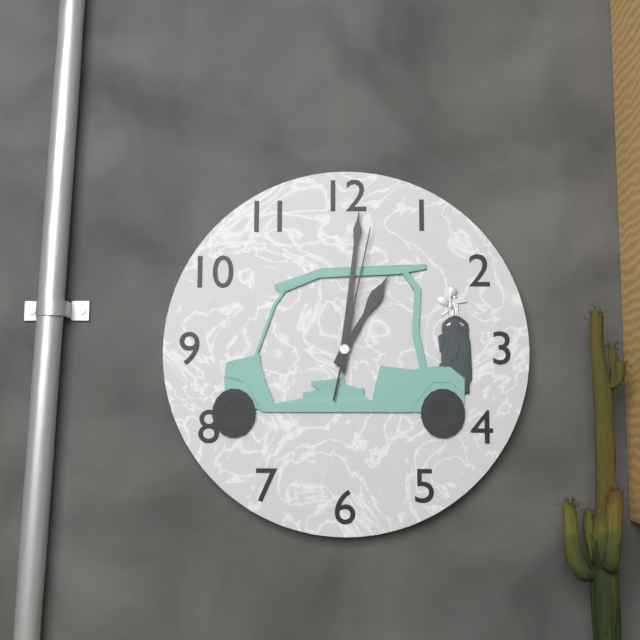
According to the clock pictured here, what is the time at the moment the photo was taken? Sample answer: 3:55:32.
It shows 1:01:02
